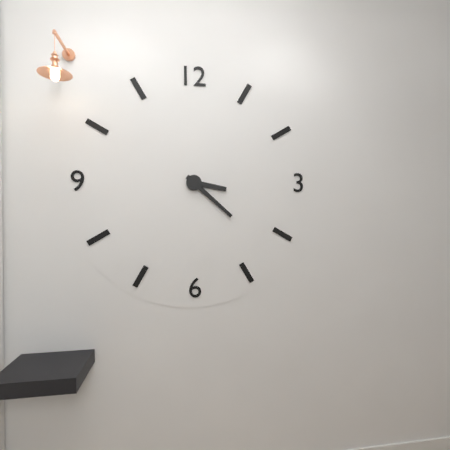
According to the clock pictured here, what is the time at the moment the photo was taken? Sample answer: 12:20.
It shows 3:22
